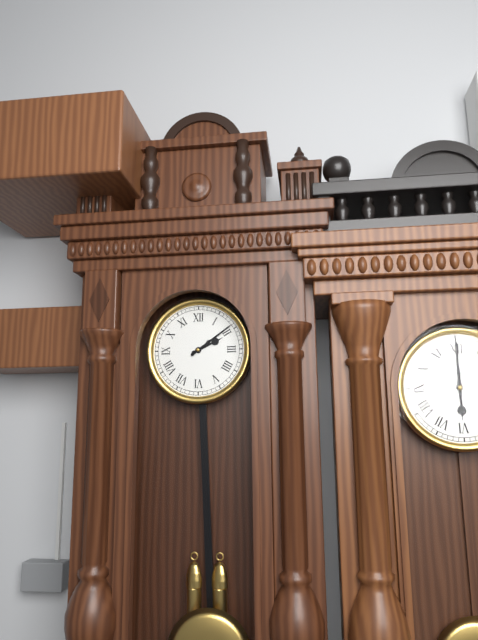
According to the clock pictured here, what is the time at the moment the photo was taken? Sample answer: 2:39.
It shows 2:09
